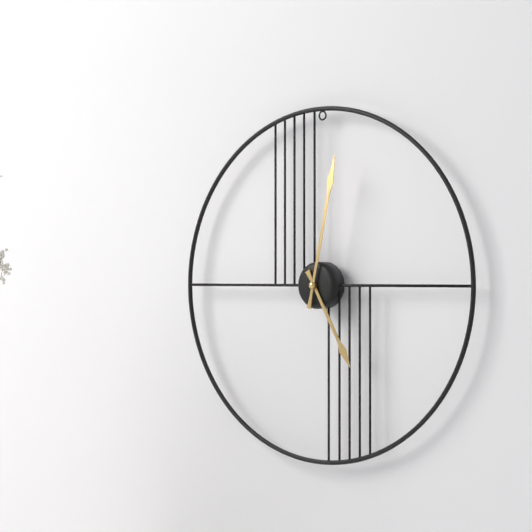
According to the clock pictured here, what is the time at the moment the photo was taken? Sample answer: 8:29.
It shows 5:02
